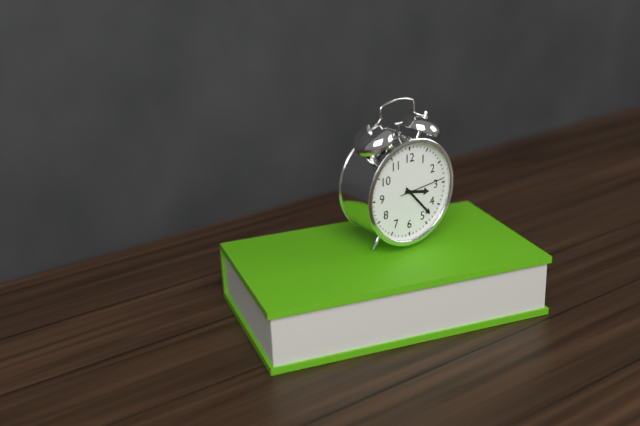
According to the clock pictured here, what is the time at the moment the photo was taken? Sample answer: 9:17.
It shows 3:23
